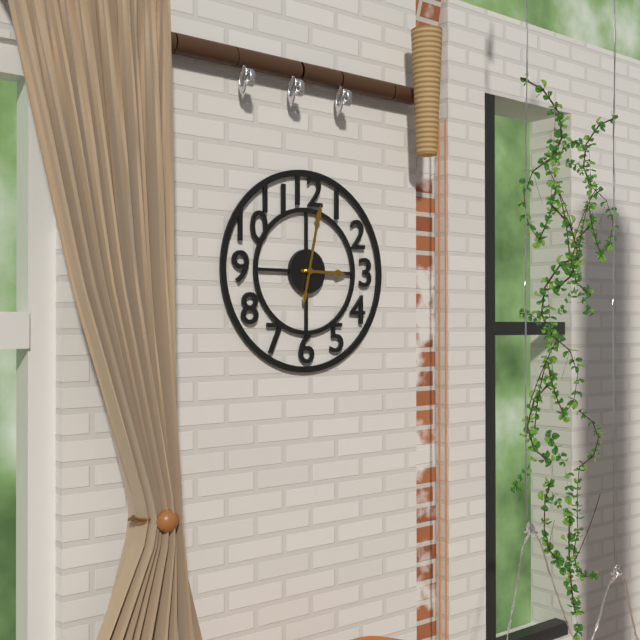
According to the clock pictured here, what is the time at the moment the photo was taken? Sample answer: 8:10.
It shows 3:02
